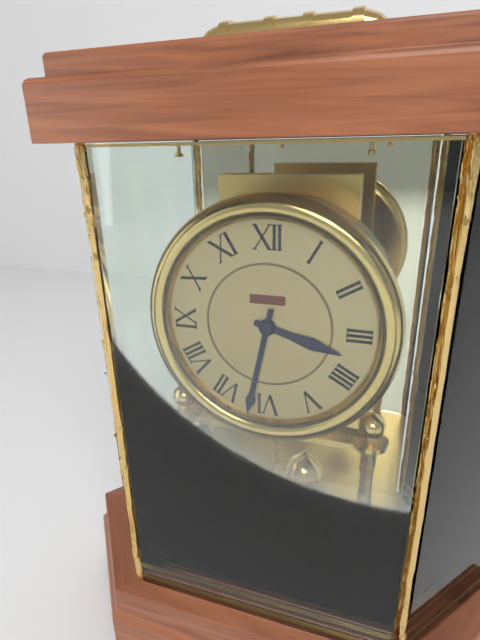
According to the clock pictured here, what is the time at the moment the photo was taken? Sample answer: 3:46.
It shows 3:32
